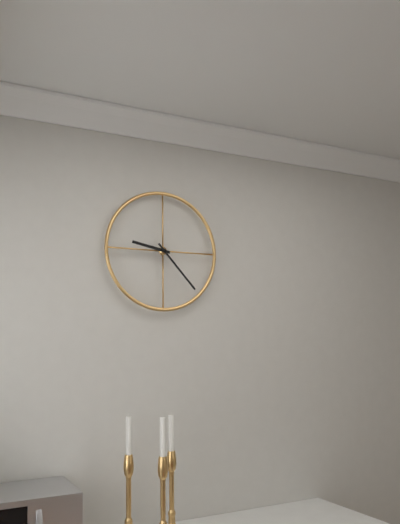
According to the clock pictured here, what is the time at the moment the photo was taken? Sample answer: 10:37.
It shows 9:23
